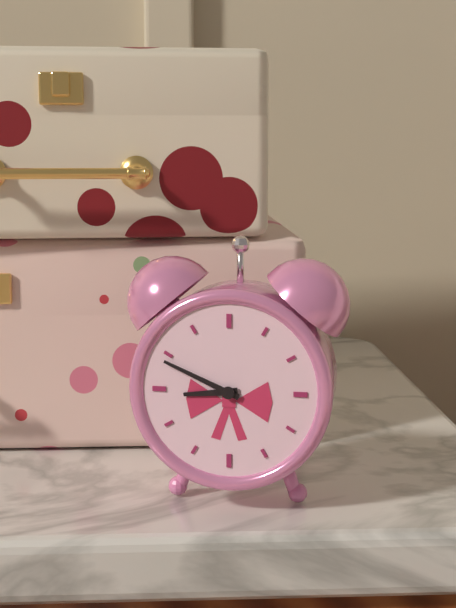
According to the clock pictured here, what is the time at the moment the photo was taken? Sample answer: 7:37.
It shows 8:49
